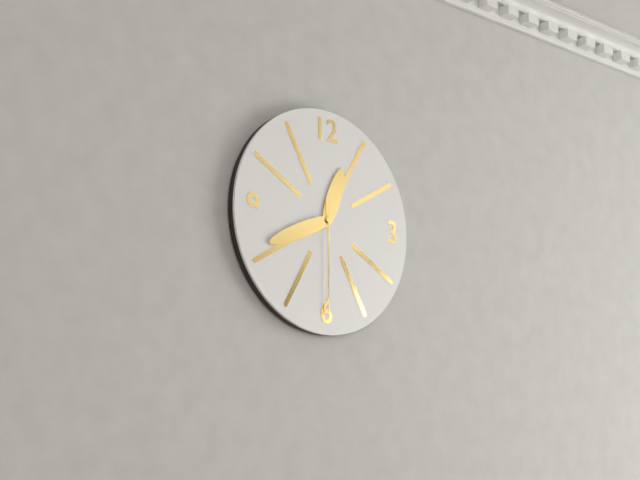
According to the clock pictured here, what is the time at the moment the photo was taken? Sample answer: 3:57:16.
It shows 12:41:30
